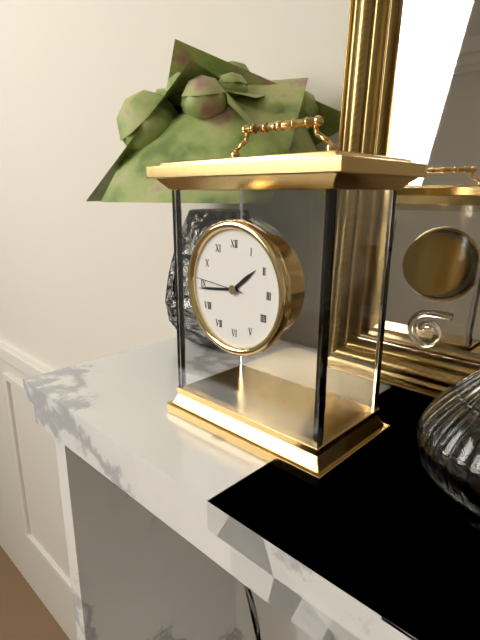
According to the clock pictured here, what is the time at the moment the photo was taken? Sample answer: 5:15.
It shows 1:44
